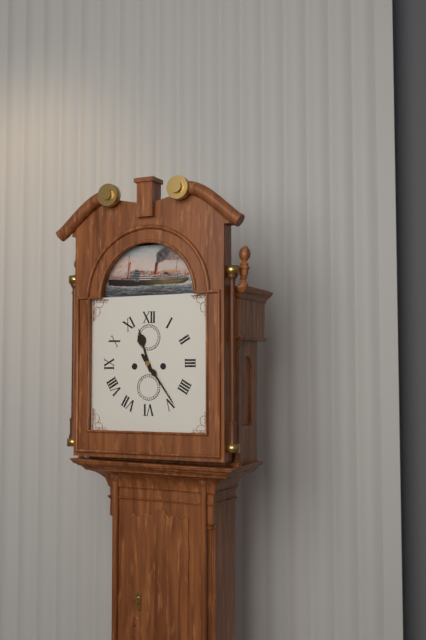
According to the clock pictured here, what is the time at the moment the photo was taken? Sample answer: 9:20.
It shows 11:24
